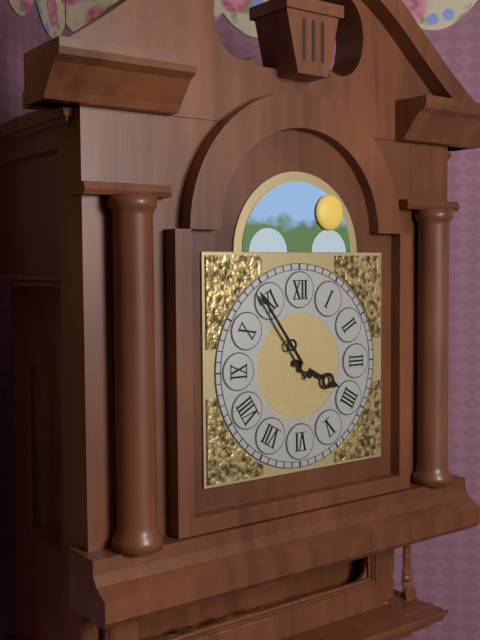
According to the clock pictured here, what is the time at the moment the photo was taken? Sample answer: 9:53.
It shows 3:54
